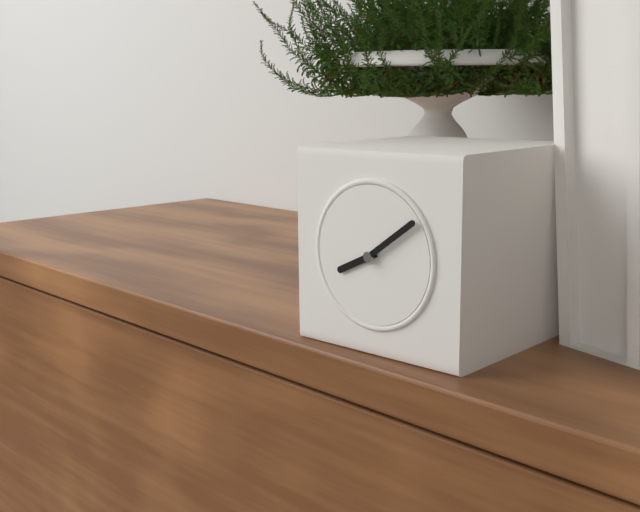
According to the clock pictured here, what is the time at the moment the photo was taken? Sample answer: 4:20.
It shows 8:09
